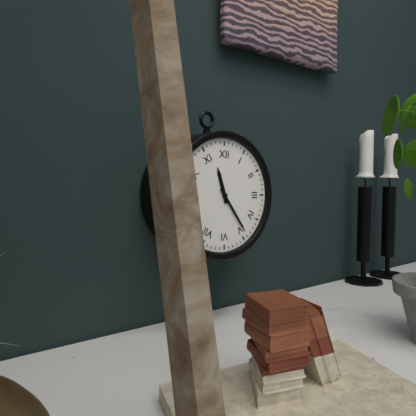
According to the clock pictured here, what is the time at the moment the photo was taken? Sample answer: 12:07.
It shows 11:24
